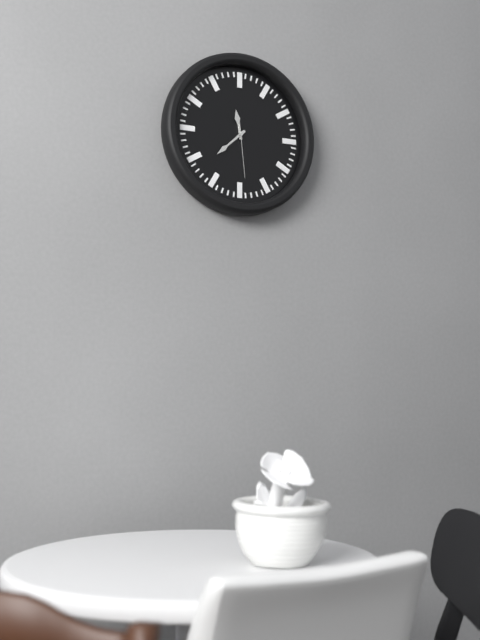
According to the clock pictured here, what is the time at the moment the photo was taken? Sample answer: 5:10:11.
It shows 11:38:29
